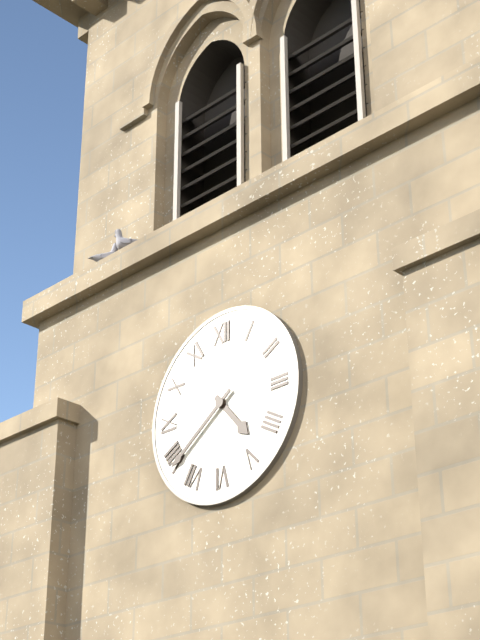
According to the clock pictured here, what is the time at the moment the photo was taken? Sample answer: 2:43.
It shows 4:39
